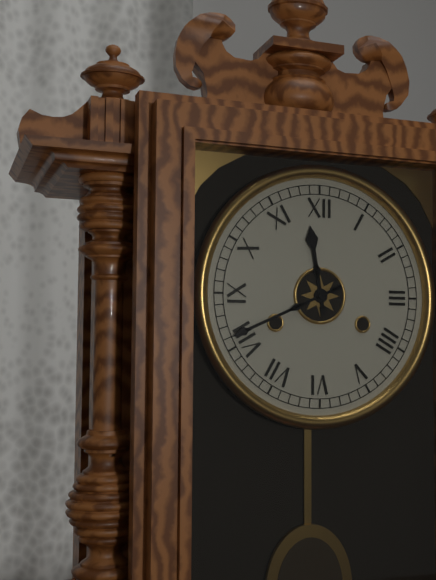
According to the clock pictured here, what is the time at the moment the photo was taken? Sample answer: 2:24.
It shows 11:41
